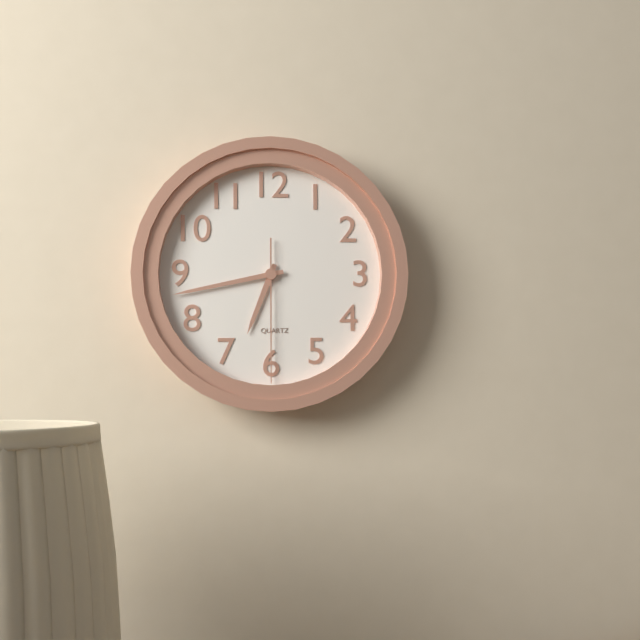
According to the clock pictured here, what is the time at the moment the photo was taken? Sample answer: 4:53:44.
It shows 6:43:30
